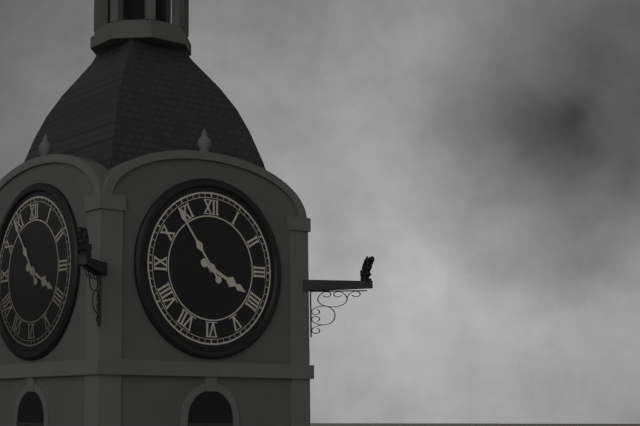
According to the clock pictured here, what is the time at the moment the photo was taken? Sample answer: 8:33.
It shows 3:54
